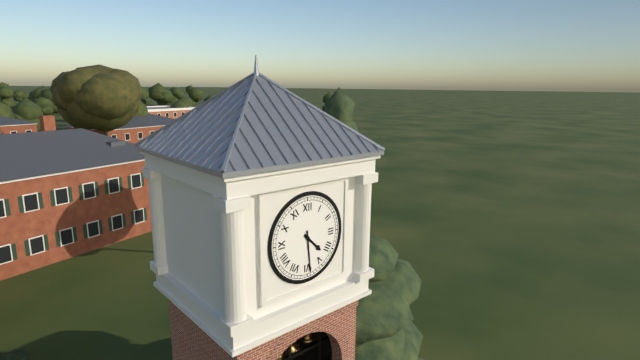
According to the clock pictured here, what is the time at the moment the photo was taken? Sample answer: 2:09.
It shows 4:29
